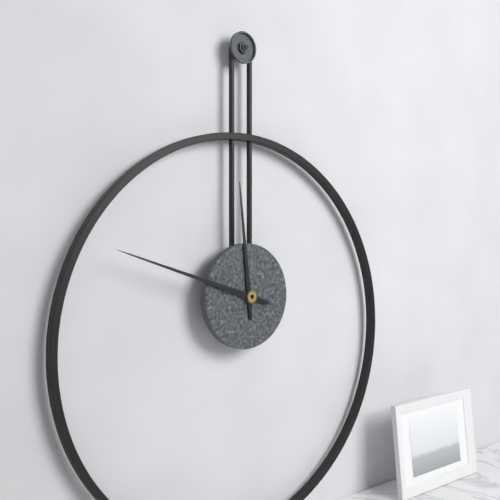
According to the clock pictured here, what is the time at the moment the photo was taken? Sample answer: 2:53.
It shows 11:48
